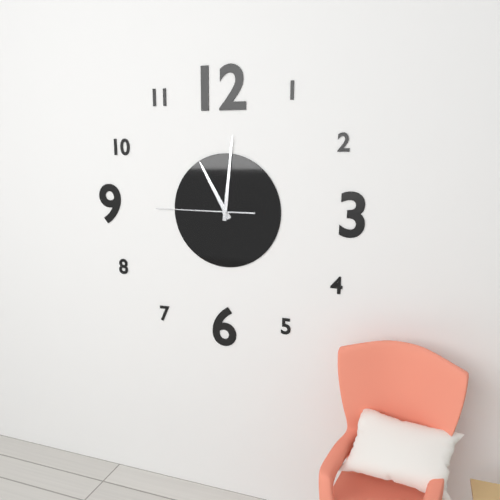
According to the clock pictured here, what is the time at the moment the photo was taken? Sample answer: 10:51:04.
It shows 11:01:45
